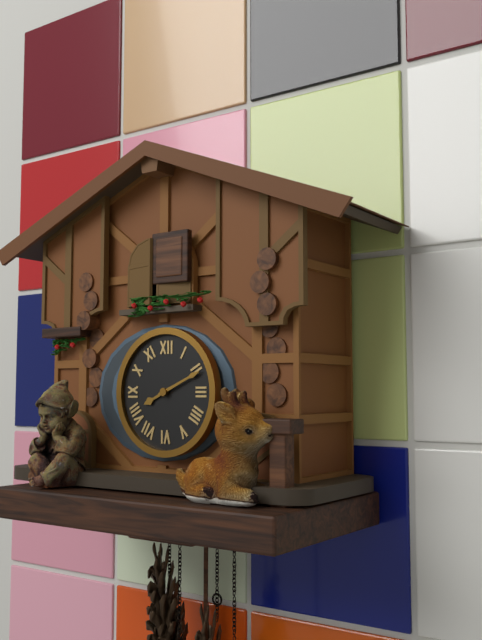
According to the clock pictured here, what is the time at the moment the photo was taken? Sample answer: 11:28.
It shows 8:11
